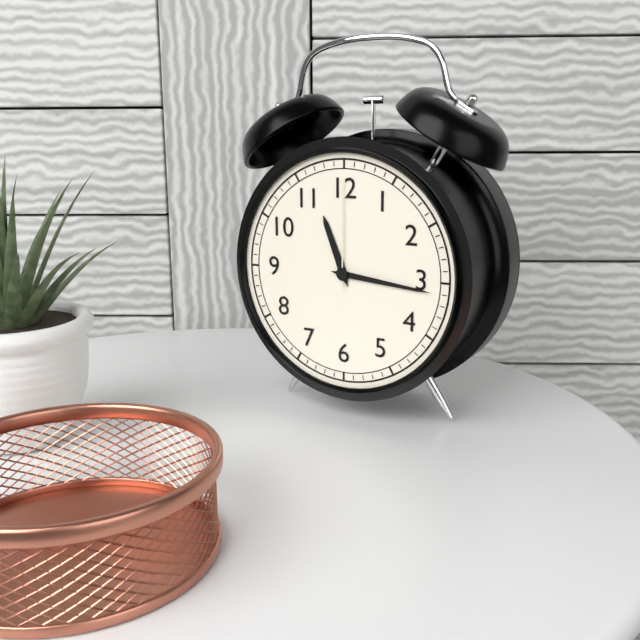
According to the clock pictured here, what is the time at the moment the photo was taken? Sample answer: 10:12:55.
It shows 11:16:00
